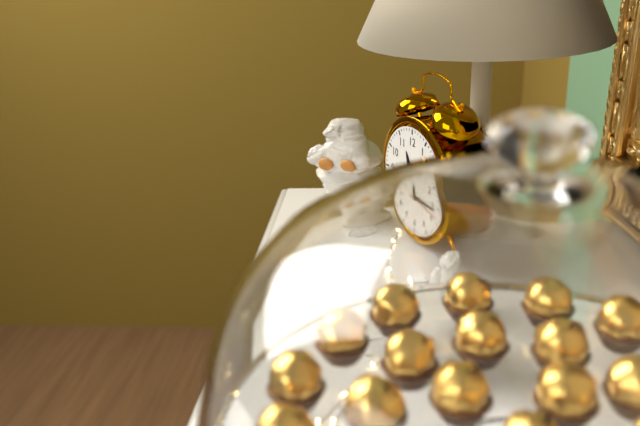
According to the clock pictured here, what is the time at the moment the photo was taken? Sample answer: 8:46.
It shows 11:16
